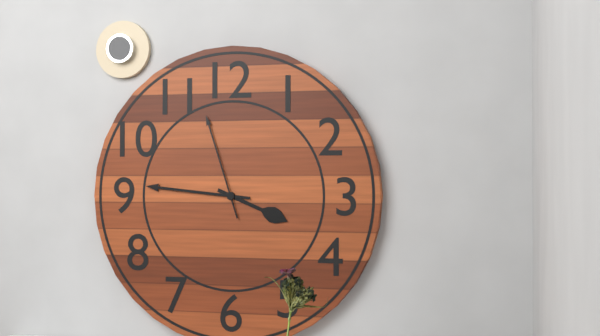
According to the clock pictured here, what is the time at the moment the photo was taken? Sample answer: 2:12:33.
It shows 3:46:57
